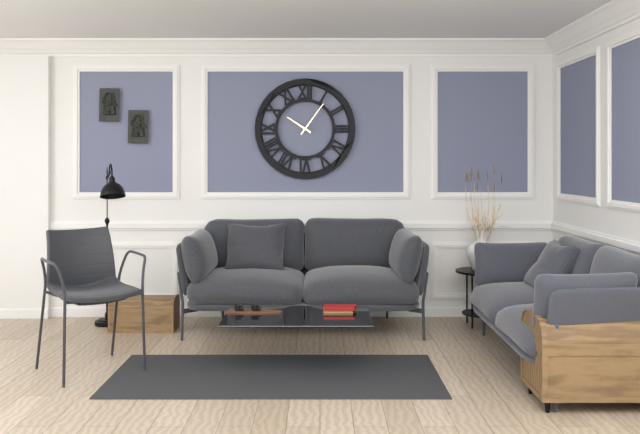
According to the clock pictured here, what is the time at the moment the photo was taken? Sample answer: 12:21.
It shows 10:06
